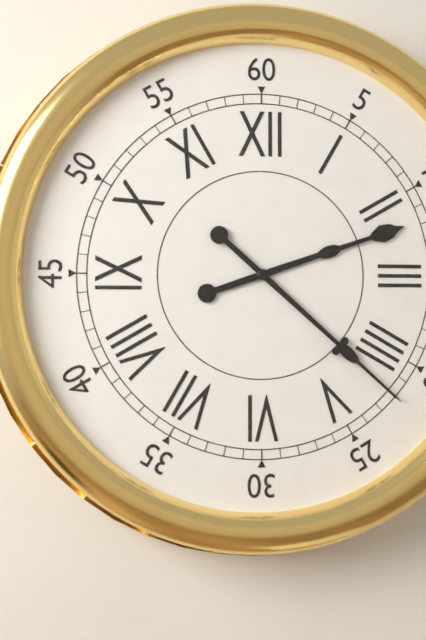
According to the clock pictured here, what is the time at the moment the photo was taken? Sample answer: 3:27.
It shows 2:22
